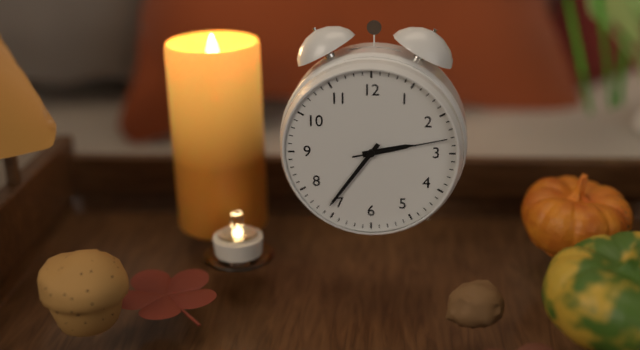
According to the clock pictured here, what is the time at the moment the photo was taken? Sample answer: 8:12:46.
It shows 2:36:13
